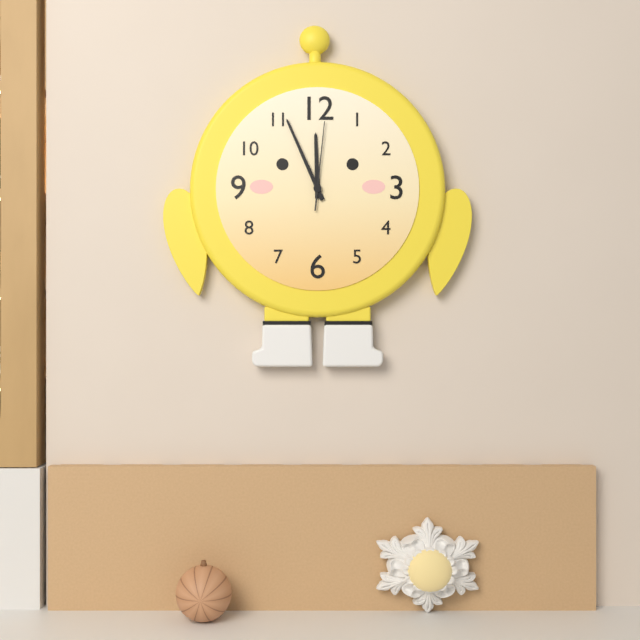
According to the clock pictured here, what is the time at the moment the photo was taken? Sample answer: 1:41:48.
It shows 11:56:01
